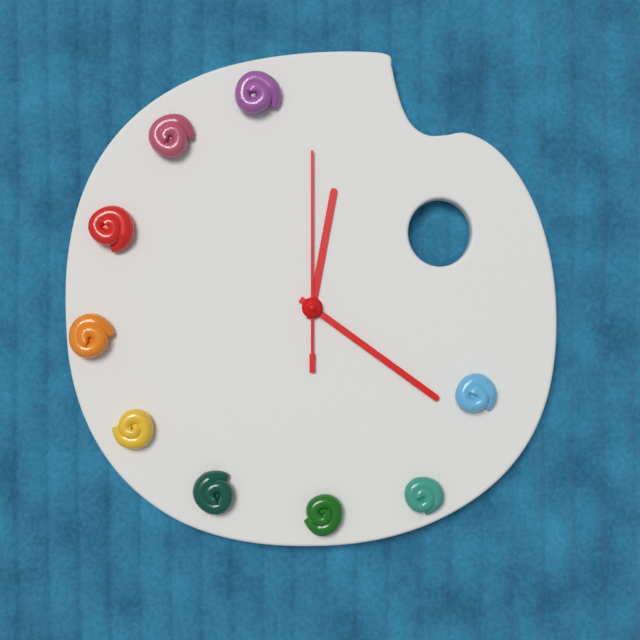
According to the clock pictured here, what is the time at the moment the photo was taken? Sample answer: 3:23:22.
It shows 12:21:00
